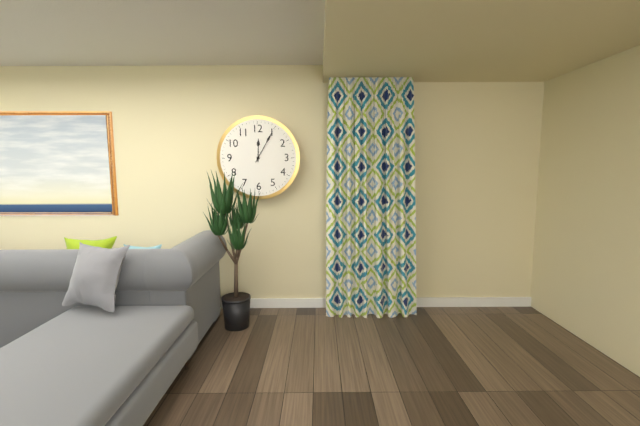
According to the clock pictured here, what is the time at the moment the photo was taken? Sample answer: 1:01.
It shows 12:05
